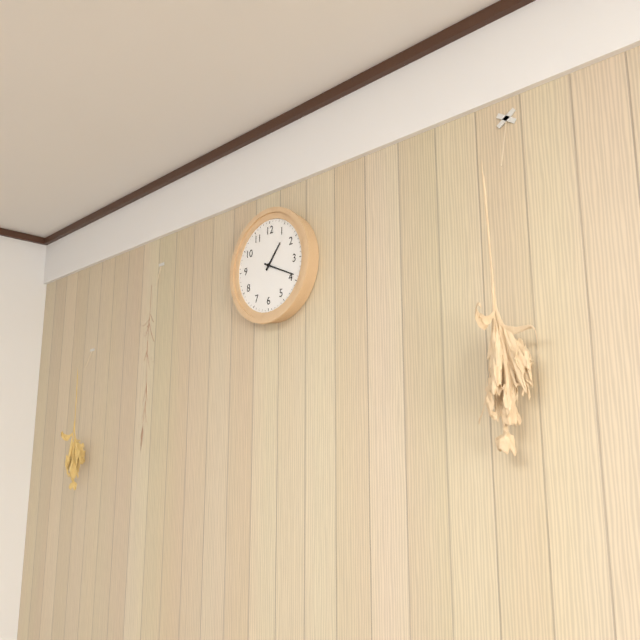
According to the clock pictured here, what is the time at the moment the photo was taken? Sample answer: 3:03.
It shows 1:19
